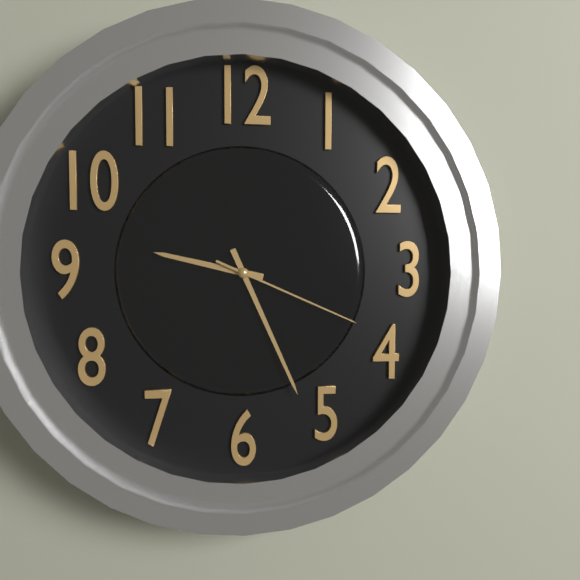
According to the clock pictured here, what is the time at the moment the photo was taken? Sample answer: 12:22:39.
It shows 9:26:19
